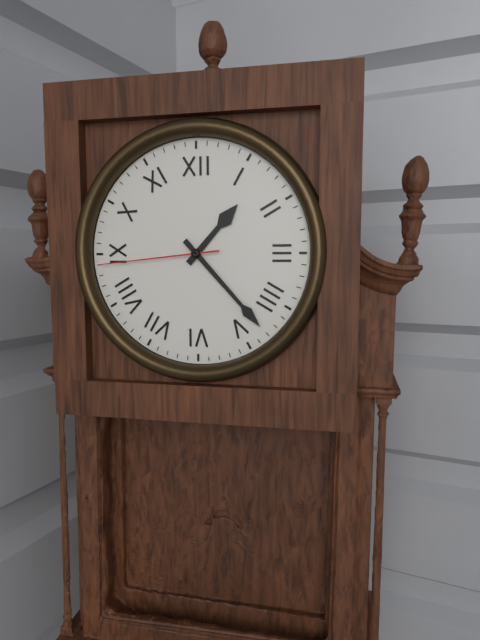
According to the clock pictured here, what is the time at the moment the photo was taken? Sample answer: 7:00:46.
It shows 1:23:44
